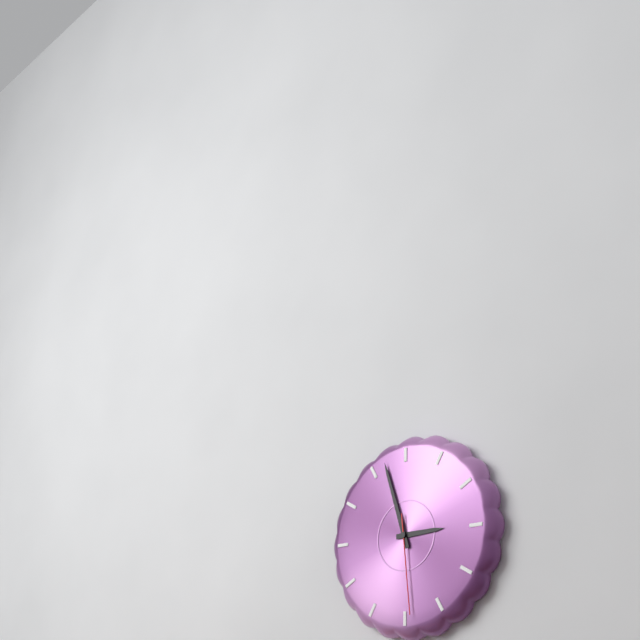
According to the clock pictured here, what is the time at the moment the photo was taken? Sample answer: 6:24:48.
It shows 2:57:29
